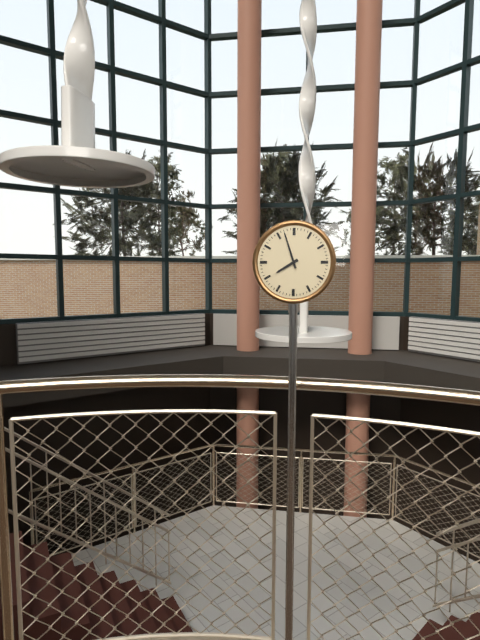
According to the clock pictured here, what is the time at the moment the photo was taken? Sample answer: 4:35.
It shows 7:57
